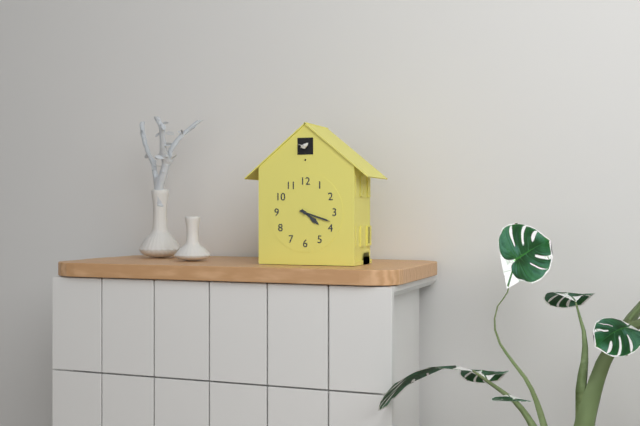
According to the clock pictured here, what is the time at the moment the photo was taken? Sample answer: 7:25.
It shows 4:18
